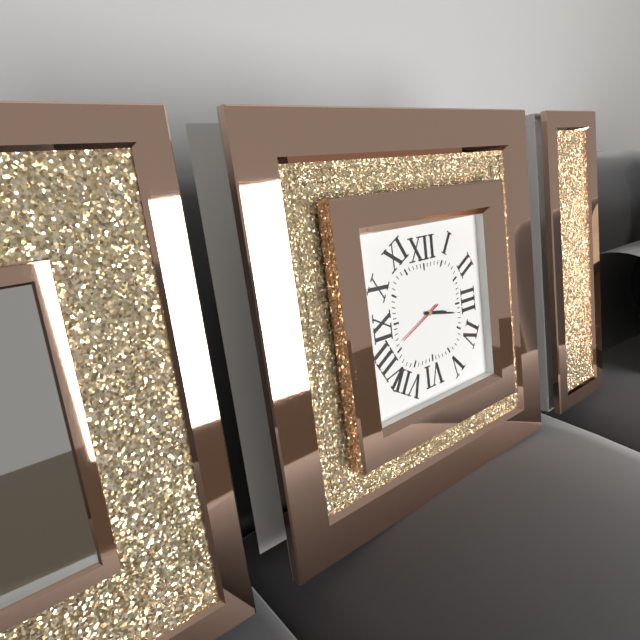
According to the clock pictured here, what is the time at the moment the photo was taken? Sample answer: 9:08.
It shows 3:17
